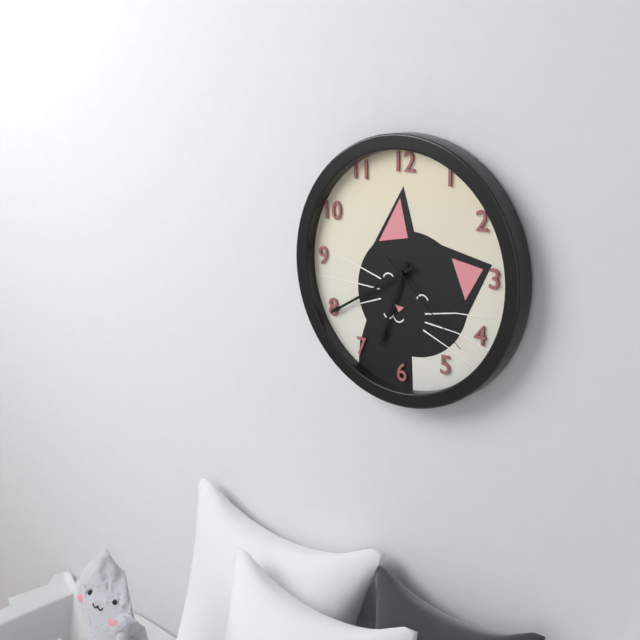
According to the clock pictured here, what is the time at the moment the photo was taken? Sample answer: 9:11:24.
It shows 6:40:22
